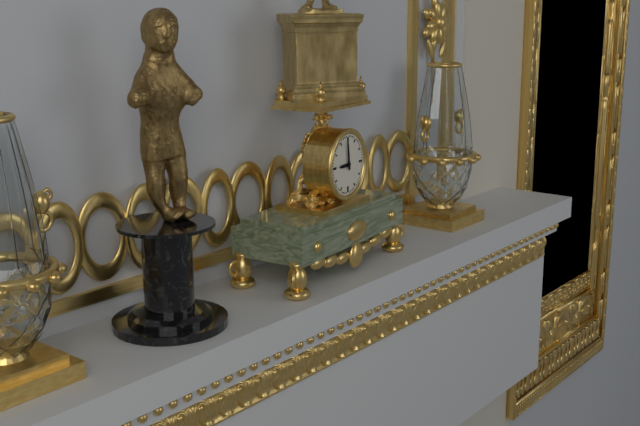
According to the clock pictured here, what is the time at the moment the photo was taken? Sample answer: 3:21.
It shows 8:59
